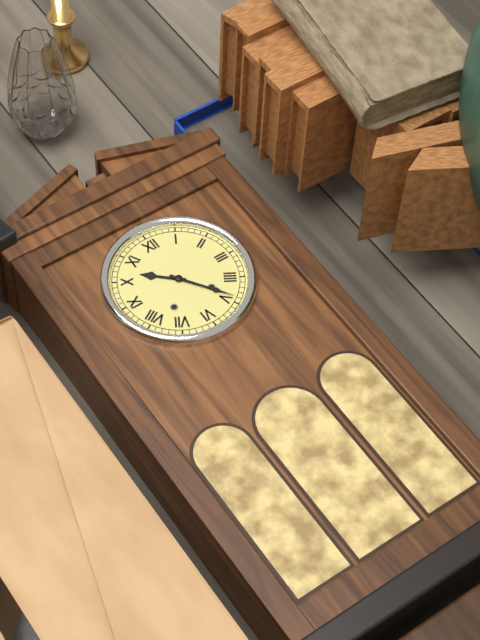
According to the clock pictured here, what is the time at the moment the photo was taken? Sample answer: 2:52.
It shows 10:24
